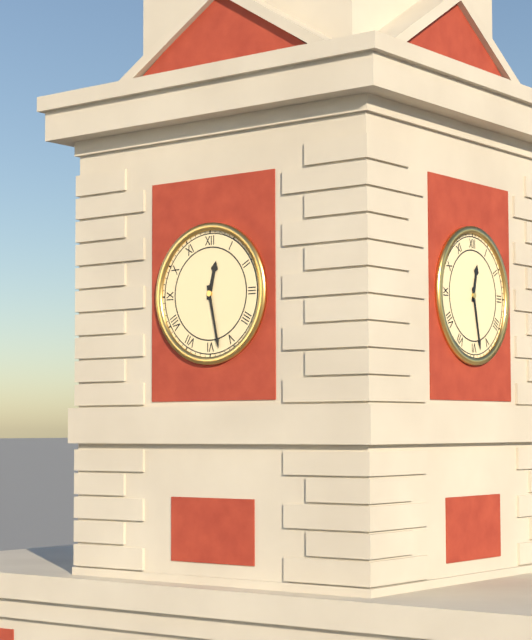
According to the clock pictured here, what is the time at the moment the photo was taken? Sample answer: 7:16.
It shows 12:28
